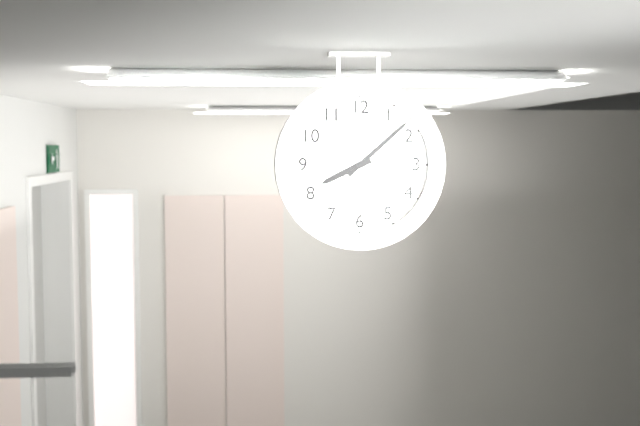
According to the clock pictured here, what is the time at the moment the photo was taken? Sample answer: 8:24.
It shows 8:08
